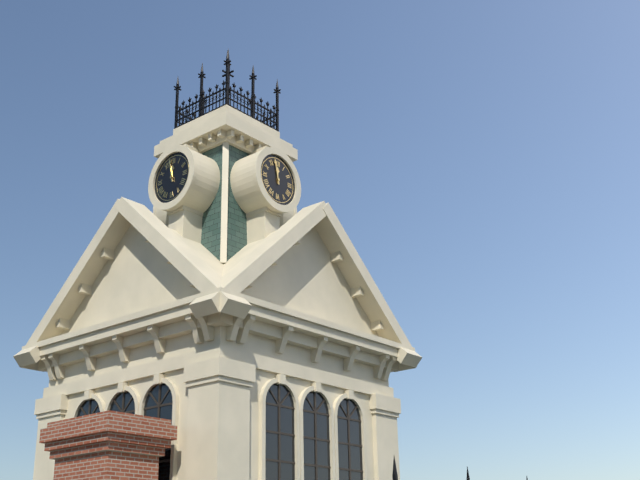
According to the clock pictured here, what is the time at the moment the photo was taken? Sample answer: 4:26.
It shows 11:58
